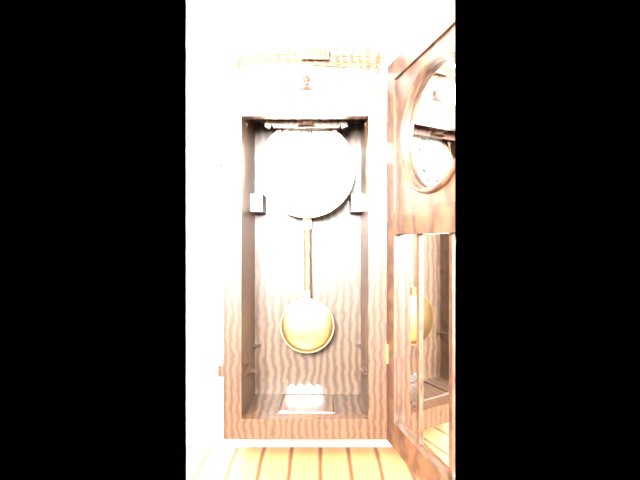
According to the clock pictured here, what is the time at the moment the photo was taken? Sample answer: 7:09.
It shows 7:03
